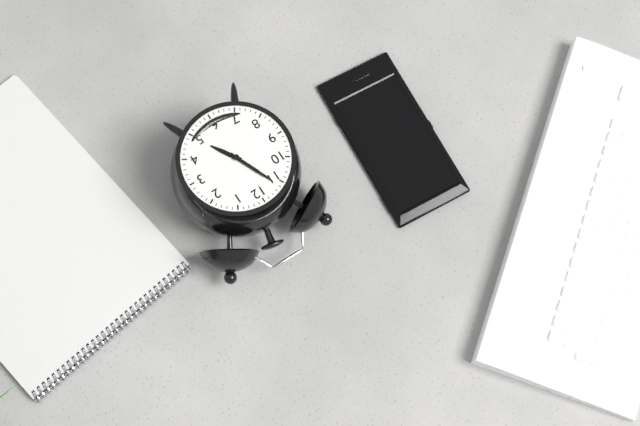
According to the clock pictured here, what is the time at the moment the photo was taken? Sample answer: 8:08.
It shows 4:56
